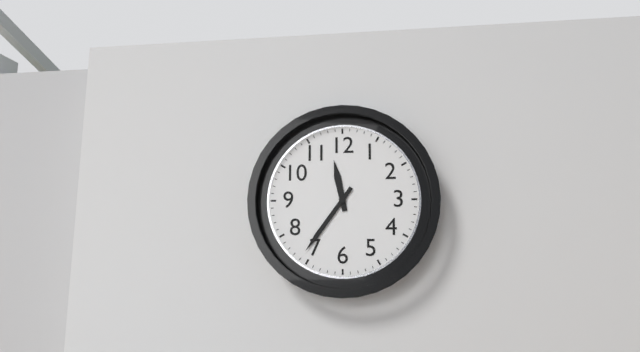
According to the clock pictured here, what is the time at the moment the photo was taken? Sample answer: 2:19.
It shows 11:36
